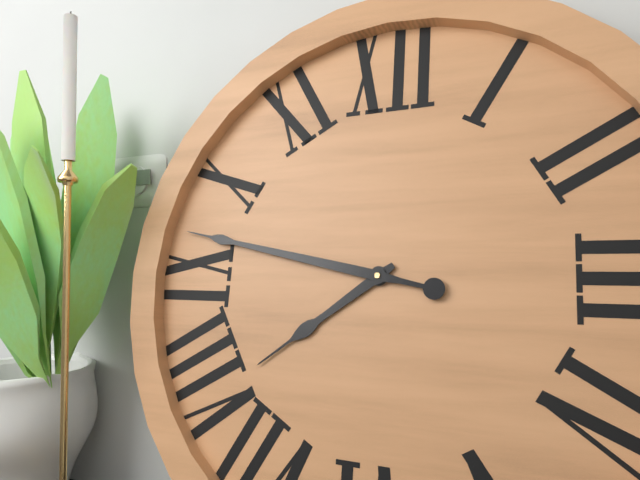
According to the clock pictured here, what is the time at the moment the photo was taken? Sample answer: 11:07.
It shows 7:47
